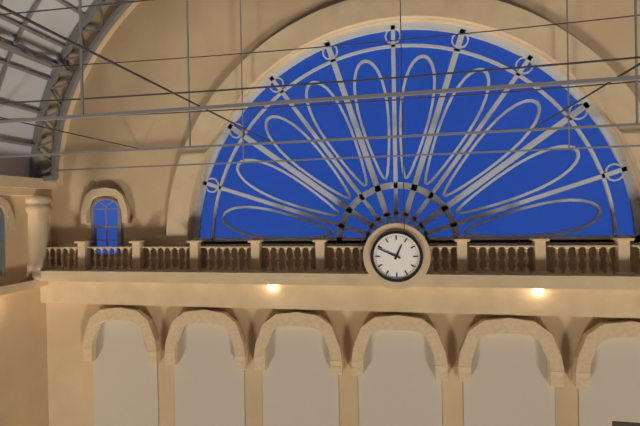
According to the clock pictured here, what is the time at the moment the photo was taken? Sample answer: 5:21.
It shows 12:49
